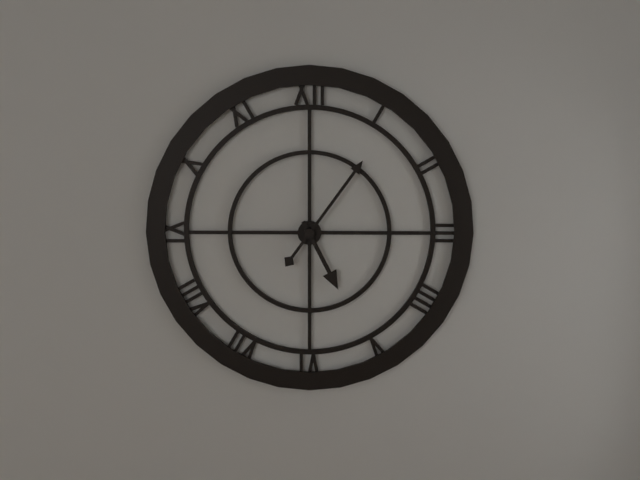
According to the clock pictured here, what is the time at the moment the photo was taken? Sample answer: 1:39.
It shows 5:06
